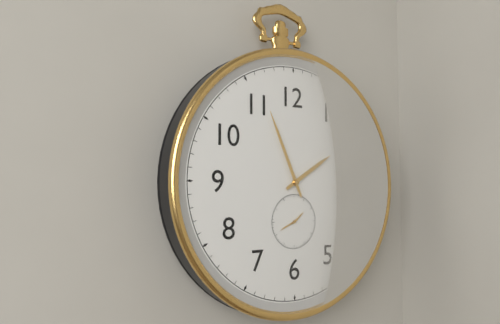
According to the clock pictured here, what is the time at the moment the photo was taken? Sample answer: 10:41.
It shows 1:56
